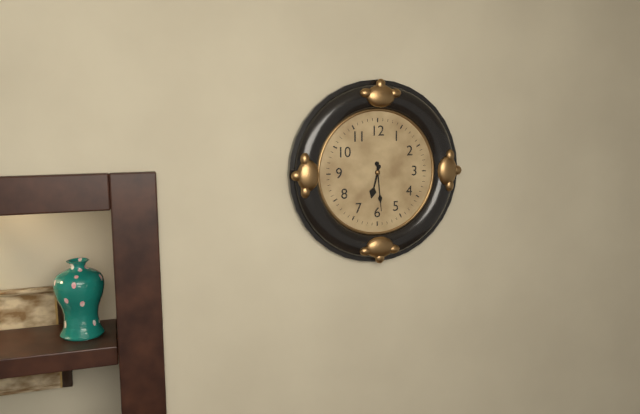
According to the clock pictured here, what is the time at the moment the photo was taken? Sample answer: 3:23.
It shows 6:29
